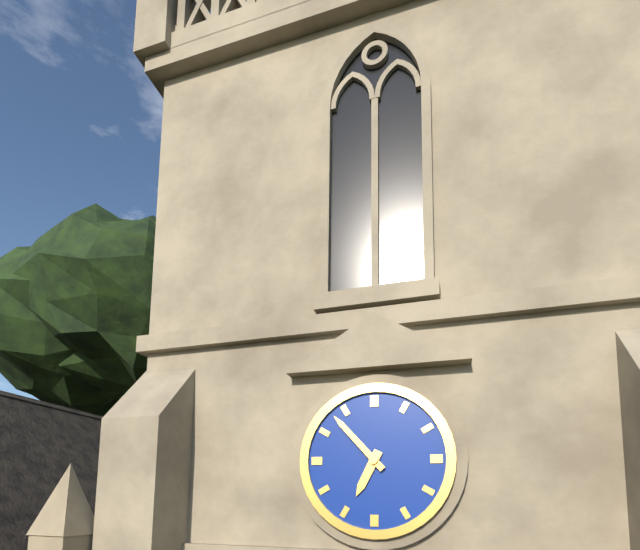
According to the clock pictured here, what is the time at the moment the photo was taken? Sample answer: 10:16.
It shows 6:53
